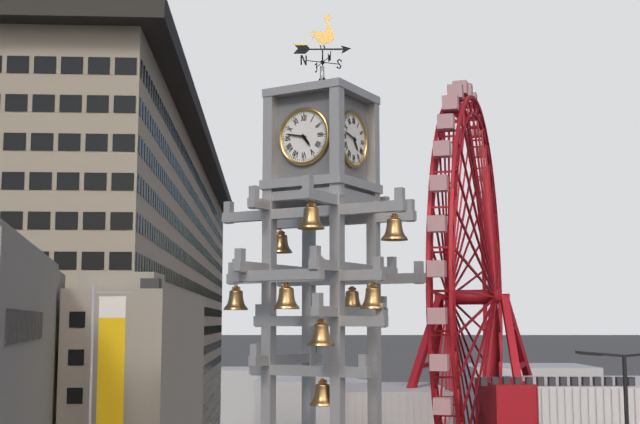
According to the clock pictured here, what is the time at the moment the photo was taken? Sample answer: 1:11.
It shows 4:47
